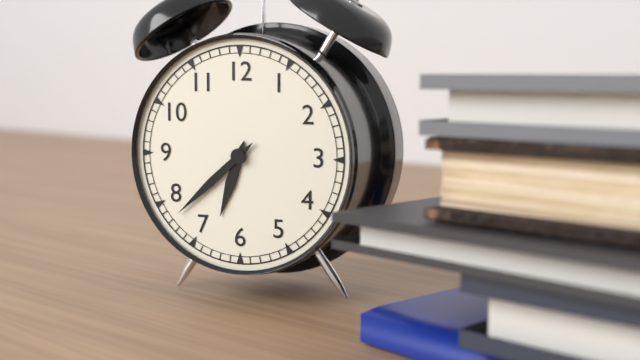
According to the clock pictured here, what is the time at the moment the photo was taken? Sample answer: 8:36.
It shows 6:38
